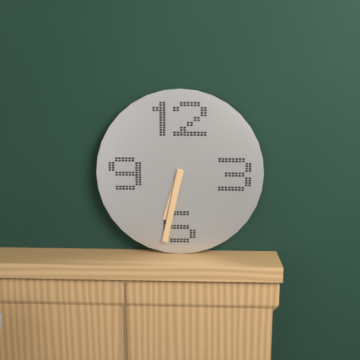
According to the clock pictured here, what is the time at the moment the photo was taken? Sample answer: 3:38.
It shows 6:32
